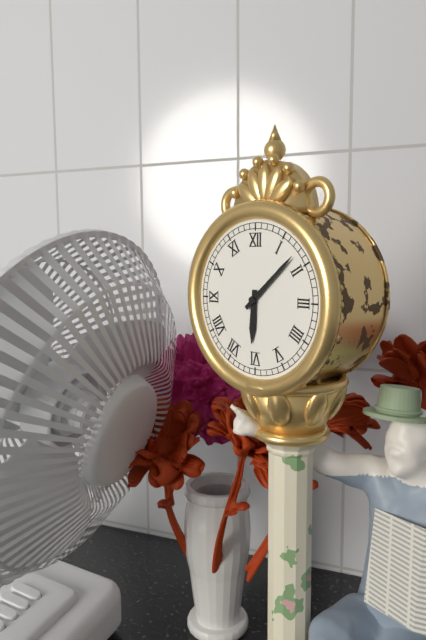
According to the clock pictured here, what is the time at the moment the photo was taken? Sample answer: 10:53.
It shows 6:08
